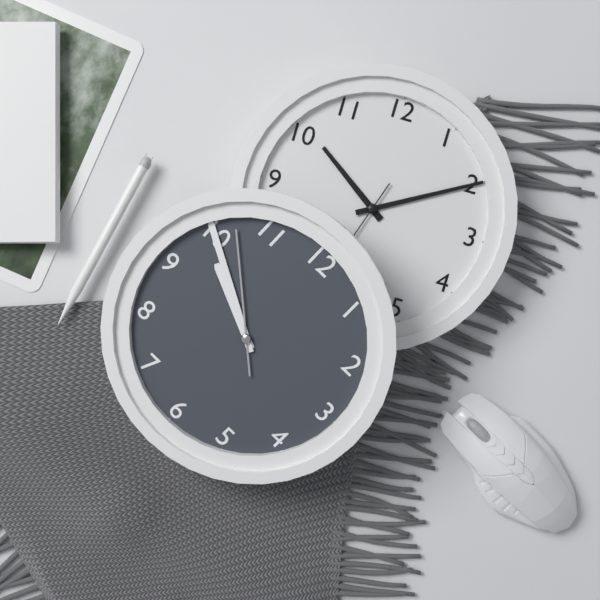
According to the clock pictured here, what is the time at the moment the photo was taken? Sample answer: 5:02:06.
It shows 9:50:52
